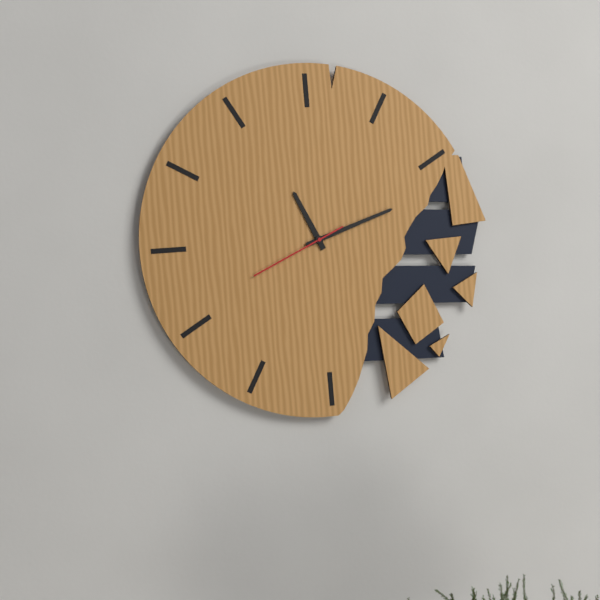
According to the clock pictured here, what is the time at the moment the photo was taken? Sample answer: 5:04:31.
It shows 11:12:41
